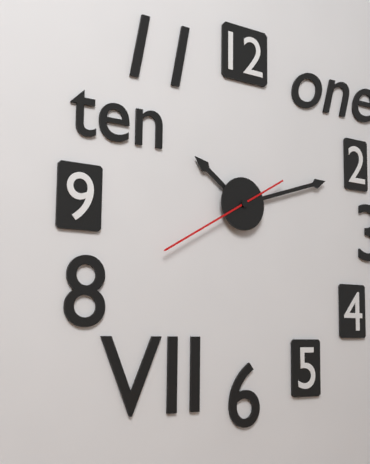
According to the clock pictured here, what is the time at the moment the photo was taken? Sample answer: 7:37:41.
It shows 10:12:40
